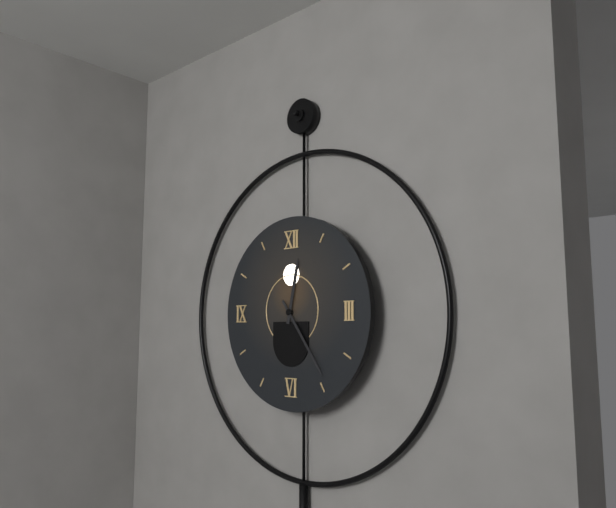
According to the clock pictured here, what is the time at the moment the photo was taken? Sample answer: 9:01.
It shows 12:24
